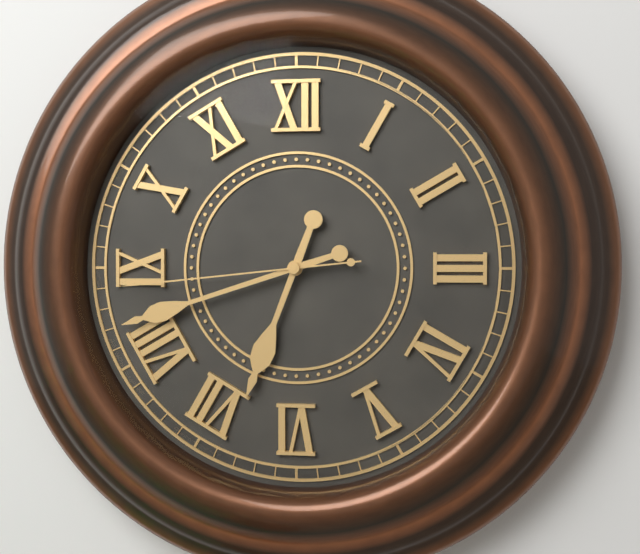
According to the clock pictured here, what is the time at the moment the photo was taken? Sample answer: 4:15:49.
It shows 6:42:44
